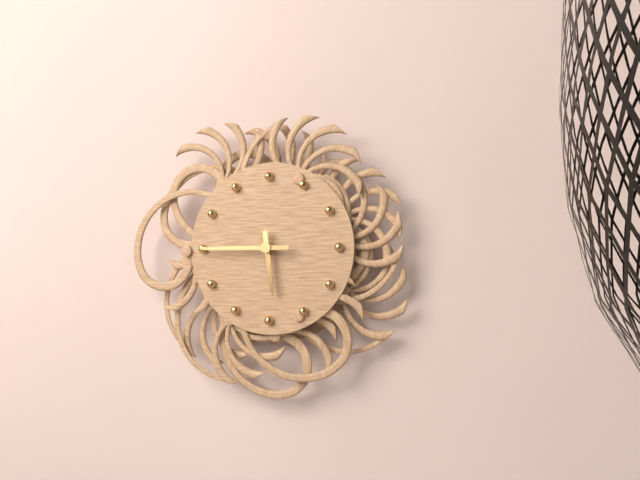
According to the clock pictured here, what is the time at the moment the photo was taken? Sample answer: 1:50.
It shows 5:45
